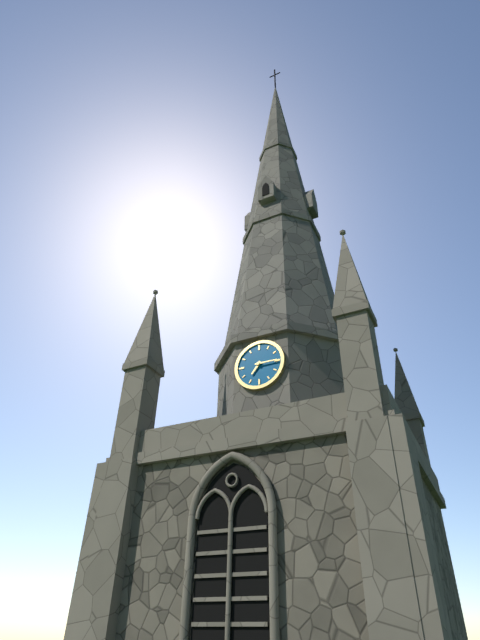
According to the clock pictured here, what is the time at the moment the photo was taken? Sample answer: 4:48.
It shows 7:15
